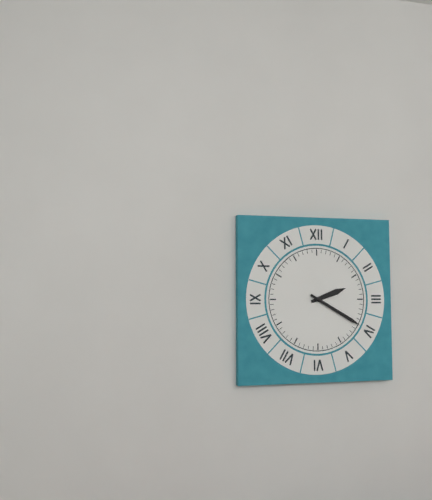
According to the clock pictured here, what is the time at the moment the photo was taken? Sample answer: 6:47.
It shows 2:20
